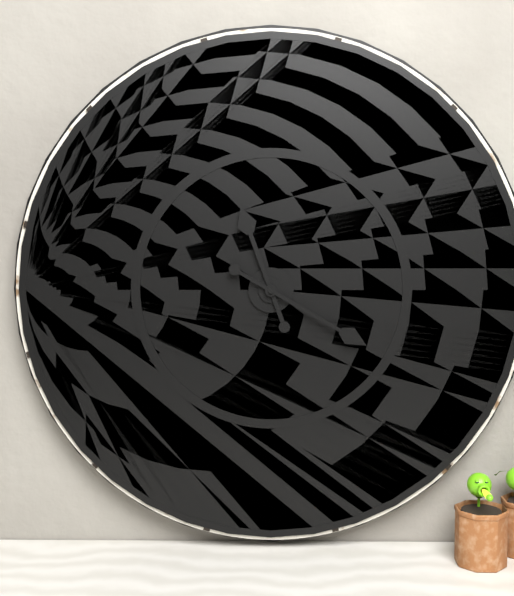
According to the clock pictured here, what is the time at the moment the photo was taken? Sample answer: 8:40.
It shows 11:20
